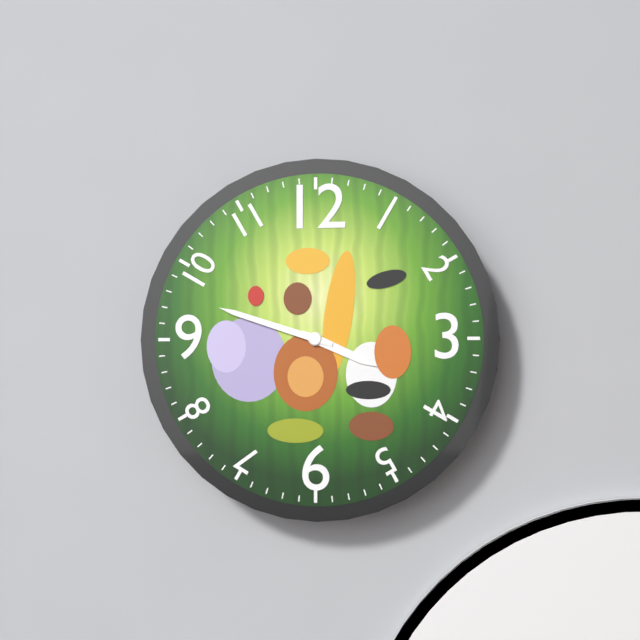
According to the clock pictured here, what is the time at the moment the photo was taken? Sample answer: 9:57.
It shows 3:48
